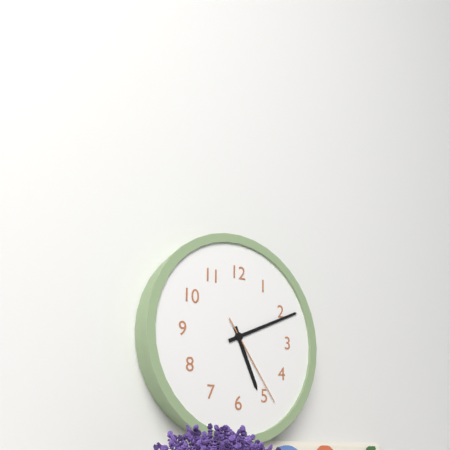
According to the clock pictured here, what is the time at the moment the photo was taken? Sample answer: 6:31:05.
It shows 5:11:24
